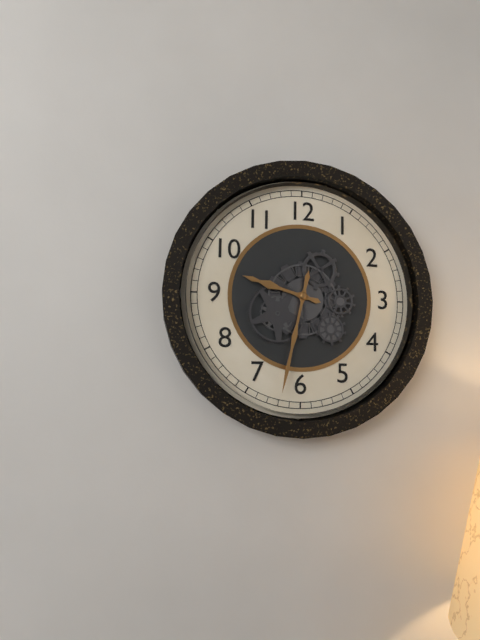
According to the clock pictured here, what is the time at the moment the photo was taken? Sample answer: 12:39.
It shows 9:32
